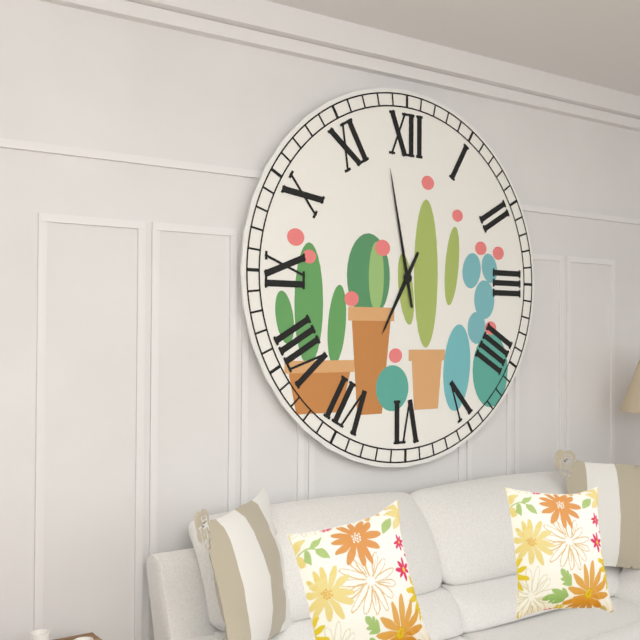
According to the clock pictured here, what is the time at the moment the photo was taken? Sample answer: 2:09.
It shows 6:58
